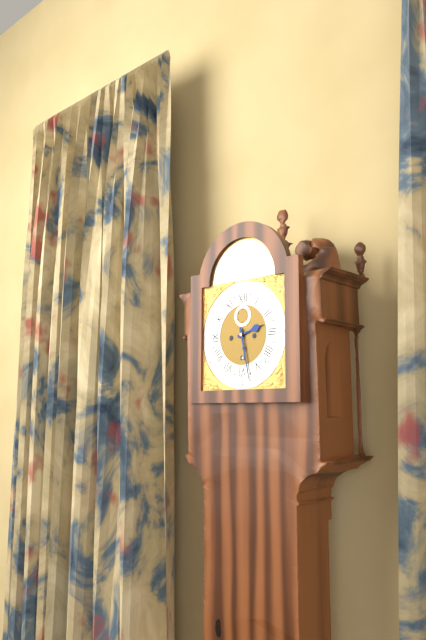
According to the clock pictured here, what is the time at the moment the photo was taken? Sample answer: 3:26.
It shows 2:28
